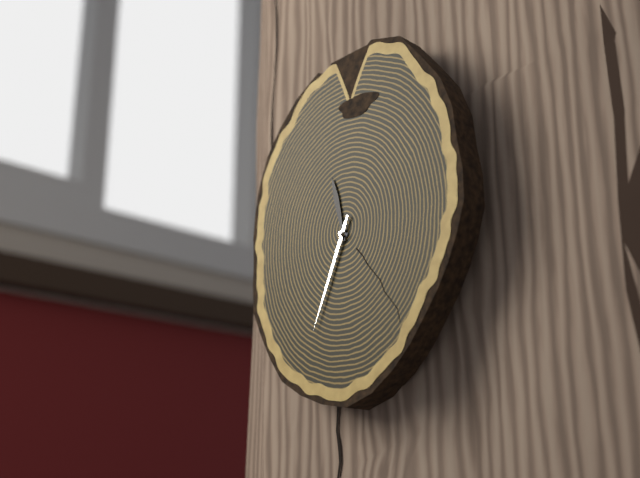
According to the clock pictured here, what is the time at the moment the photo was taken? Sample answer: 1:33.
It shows 11:34
